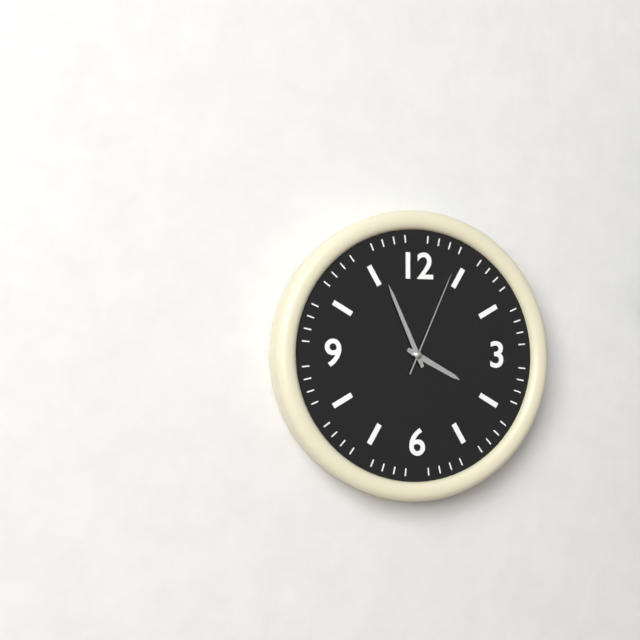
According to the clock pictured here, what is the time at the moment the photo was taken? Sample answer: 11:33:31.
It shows 3:56:04
